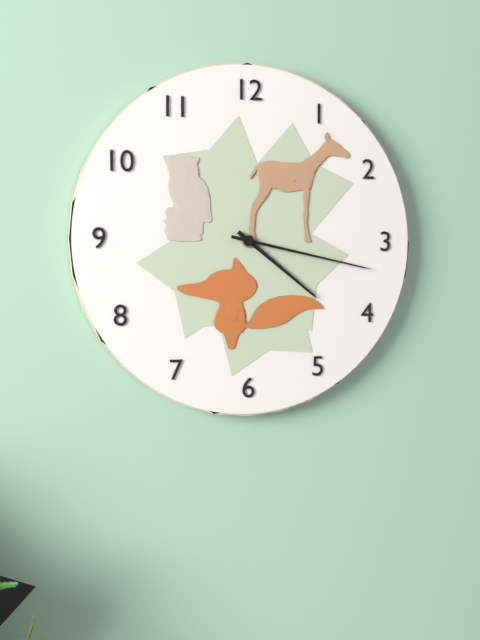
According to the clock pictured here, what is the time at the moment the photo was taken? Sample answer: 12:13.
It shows 4:17
